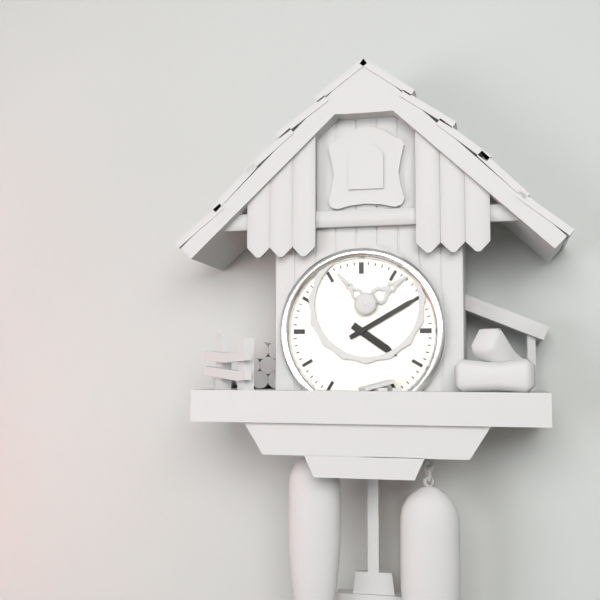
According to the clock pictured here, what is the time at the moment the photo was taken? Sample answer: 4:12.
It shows 4:10
